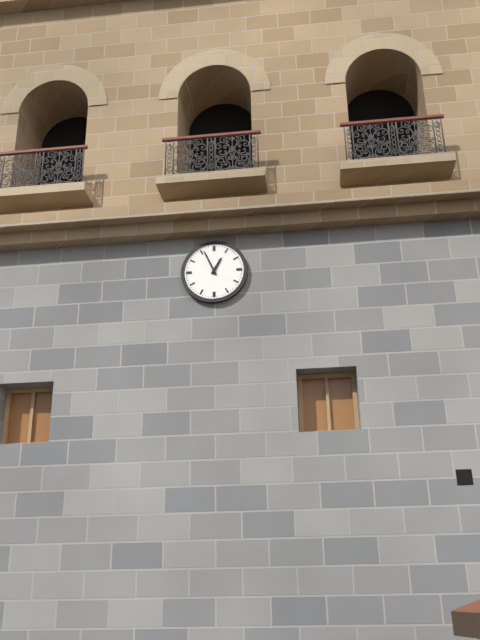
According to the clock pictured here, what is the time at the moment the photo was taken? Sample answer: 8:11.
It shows 12:56
